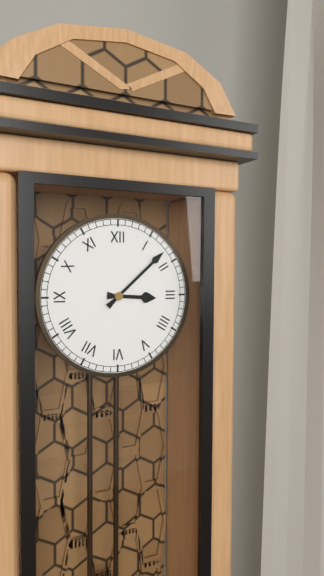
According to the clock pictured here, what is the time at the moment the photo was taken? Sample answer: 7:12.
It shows 3:08
